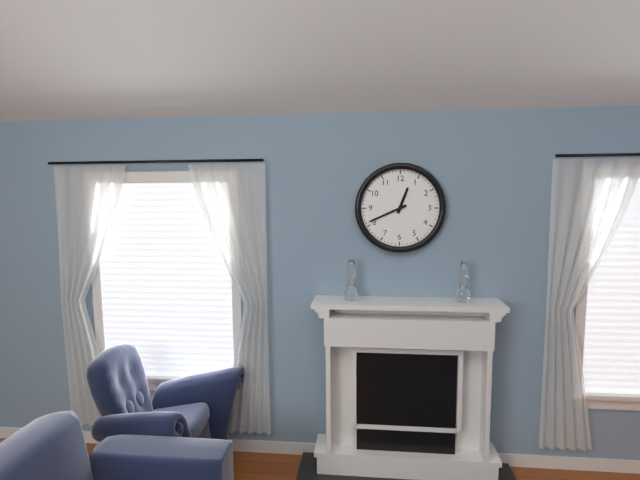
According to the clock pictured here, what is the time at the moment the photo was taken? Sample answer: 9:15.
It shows 12:41
